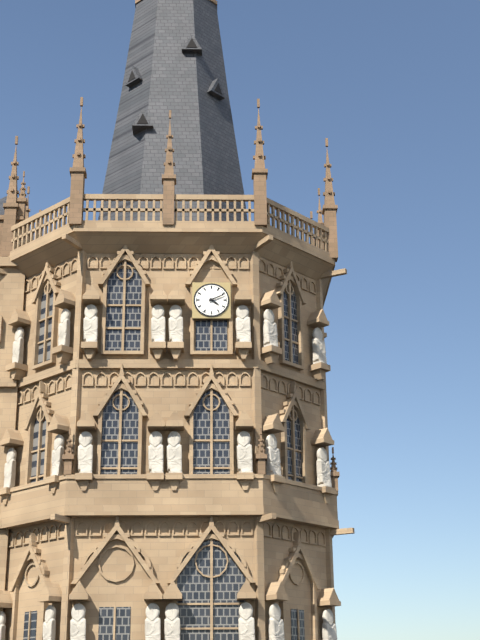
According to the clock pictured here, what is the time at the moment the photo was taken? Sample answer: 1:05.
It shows 4:11
